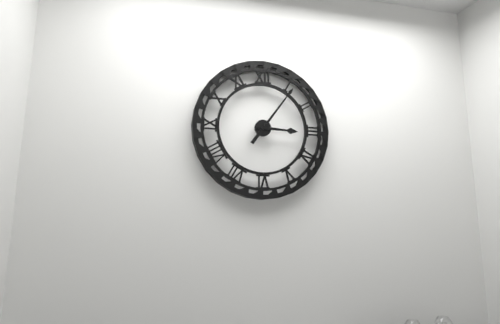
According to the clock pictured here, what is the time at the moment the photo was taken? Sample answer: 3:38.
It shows 3:06
